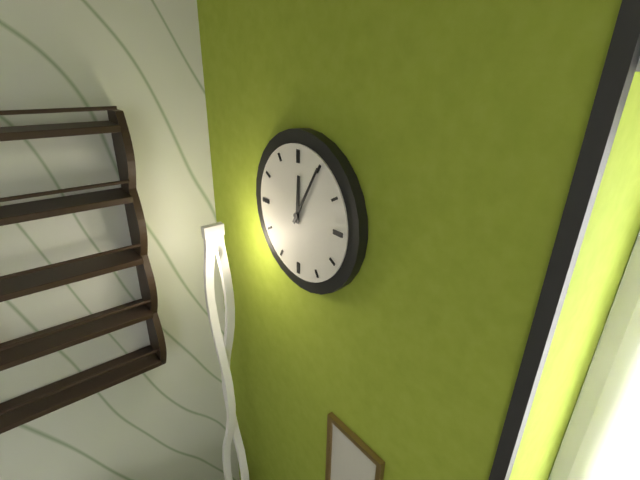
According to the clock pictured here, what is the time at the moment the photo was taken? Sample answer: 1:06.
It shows 12:05
